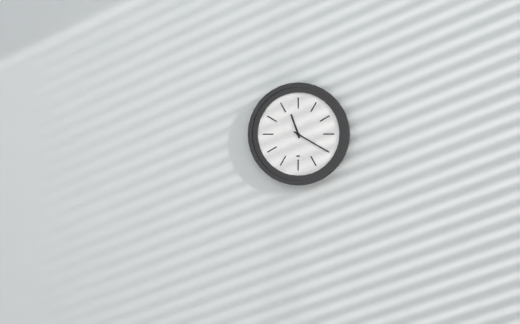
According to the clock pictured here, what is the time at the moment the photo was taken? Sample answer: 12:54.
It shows 11:20
